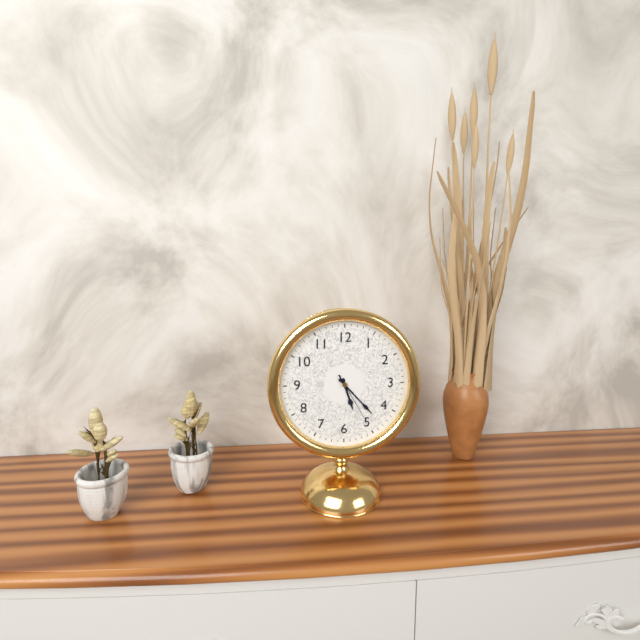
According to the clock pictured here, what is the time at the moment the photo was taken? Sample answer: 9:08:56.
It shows 5:23:25
